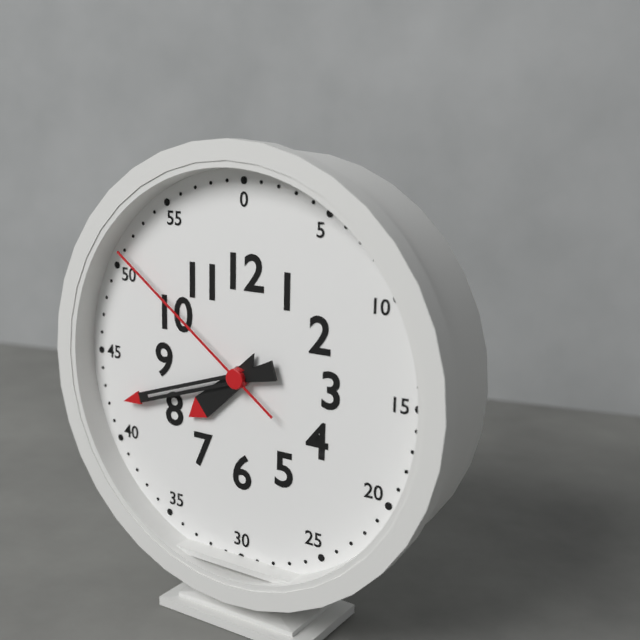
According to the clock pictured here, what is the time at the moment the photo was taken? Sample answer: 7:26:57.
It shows 7:42:51
